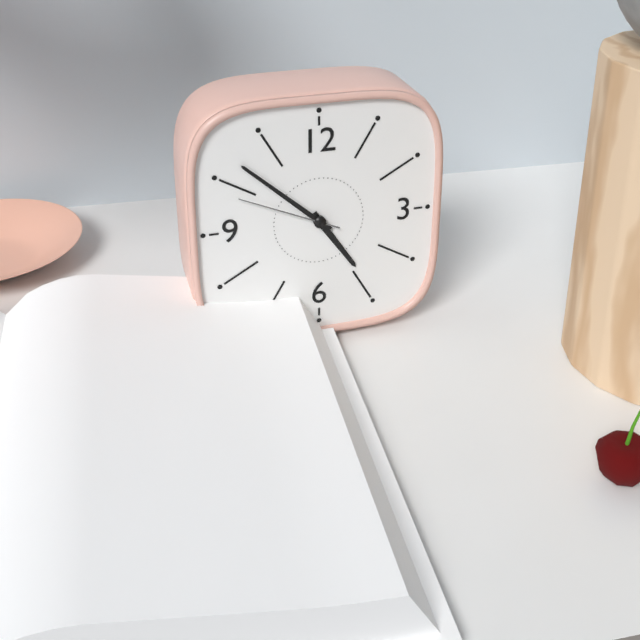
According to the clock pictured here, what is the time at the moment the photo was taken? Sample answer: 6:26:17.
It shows 4:52:49
